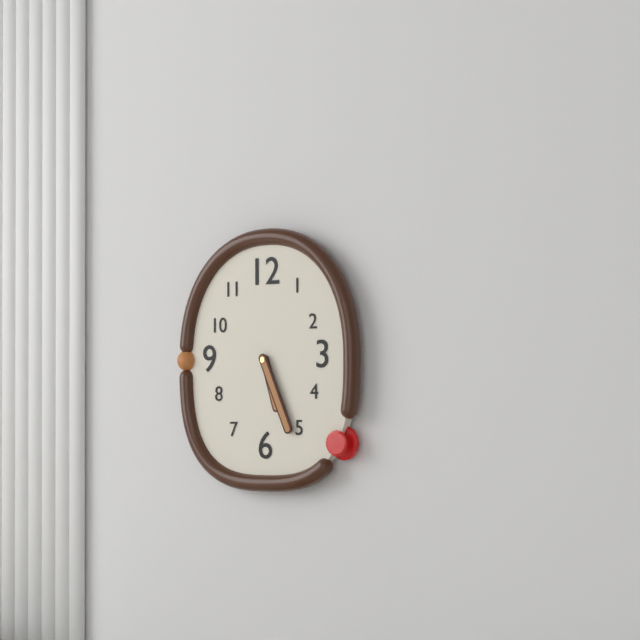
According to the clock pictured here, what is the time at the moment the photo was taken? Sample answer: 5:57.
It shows 5:26
